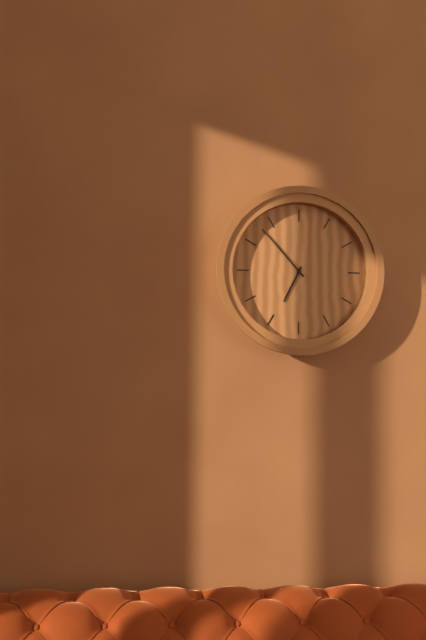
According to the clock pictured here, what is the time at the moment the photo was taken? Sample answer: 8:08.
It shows 6:53
